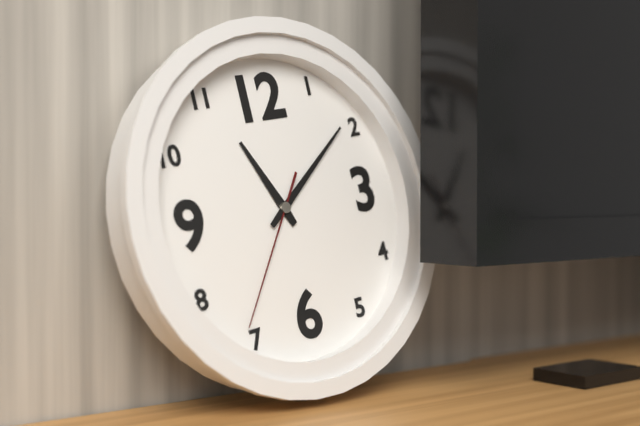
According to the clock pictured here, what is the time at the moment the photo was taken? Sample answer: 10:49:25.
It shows 11:09:36
